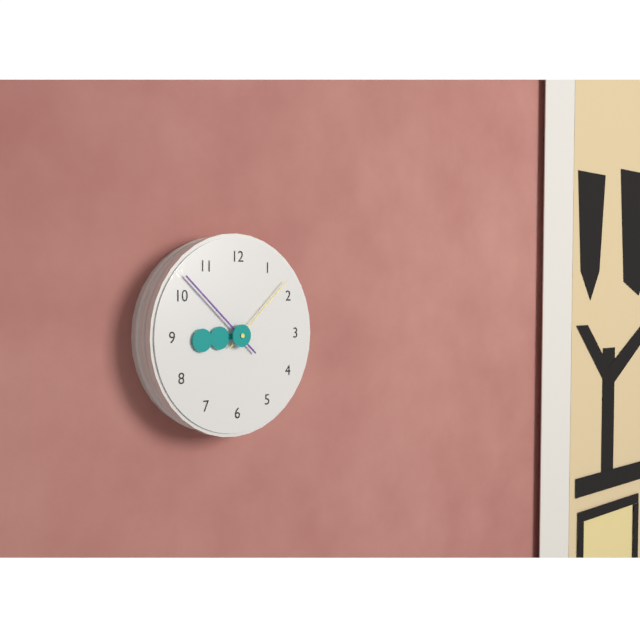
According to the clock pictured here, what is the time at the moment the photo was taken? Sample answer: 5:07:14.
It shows 8:52:08
